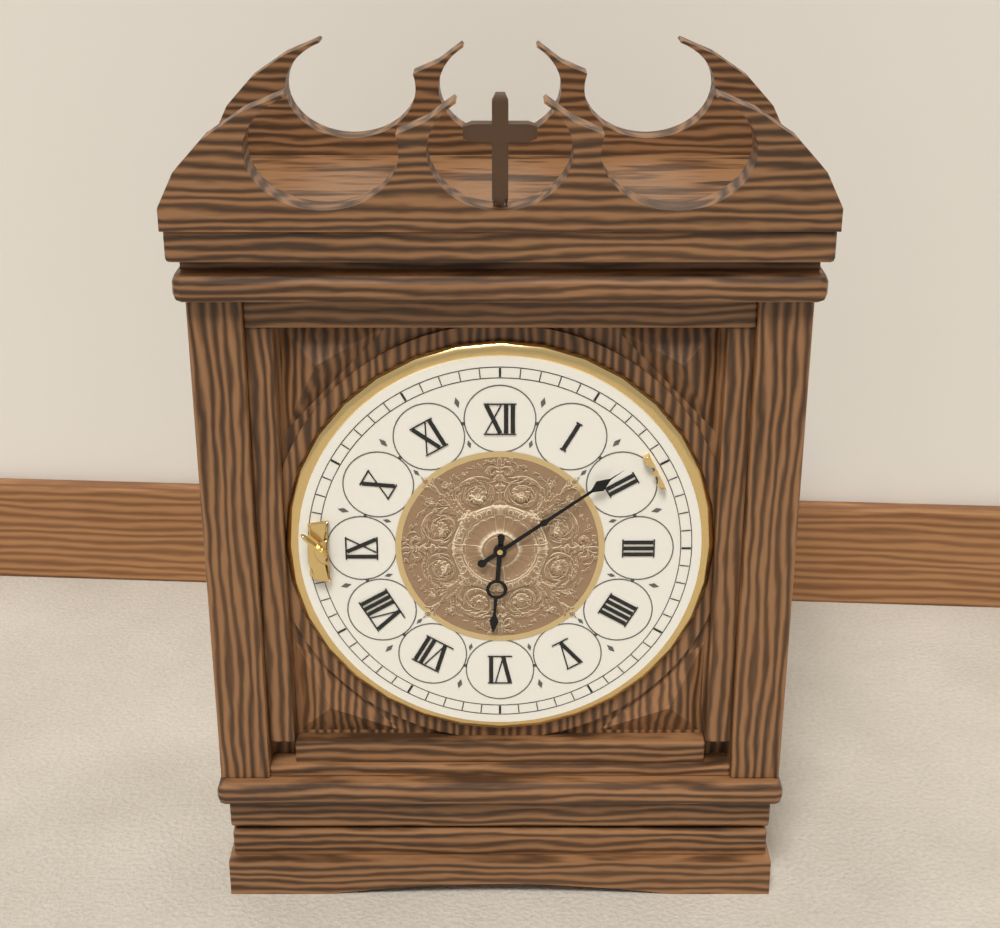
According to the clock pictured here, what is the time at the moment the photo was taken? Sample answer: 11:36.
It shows 6:09
